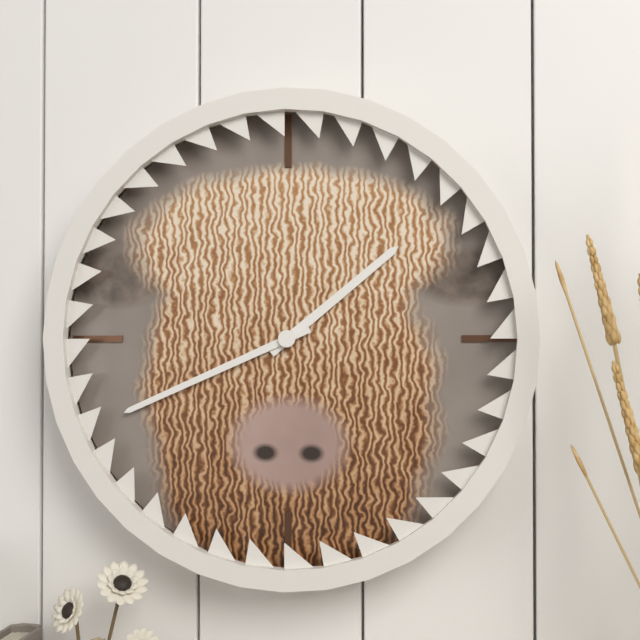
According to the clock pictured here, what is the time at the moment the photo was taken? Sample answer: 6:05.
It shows 1:41
